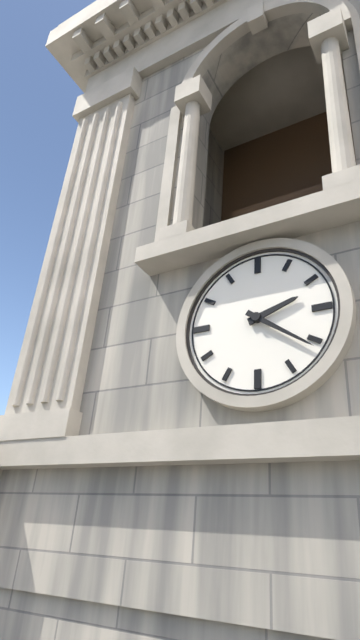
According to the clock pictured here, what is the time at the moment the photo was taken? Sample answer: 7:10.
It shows 2:21
